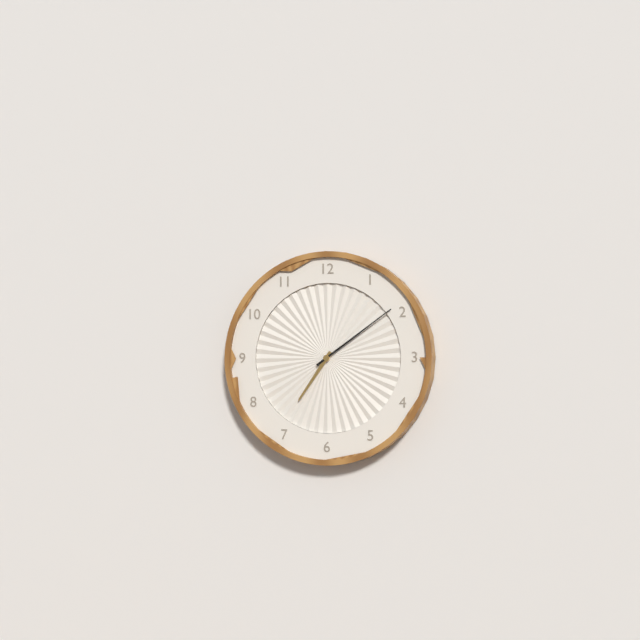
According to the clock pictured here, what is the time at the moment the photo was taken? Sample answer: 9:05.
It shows 7:09
